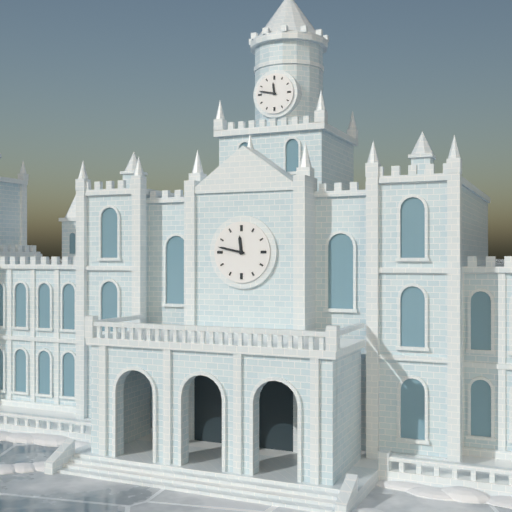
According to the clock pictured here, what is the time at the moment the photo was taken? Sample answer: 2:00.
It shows 11:47
